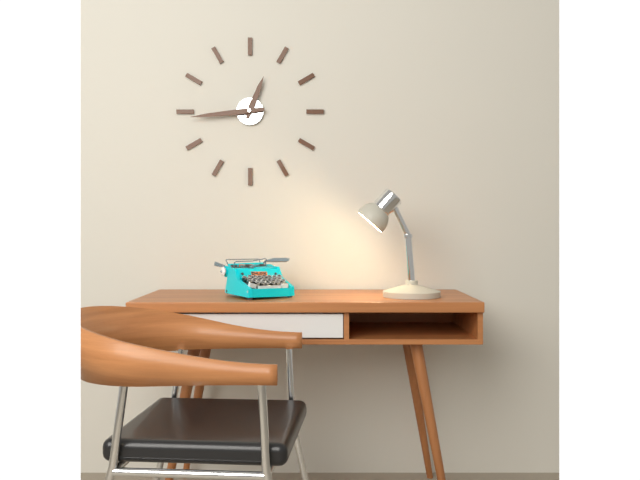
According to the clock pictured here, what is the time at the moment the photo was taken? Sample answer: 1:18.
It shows 12:44
